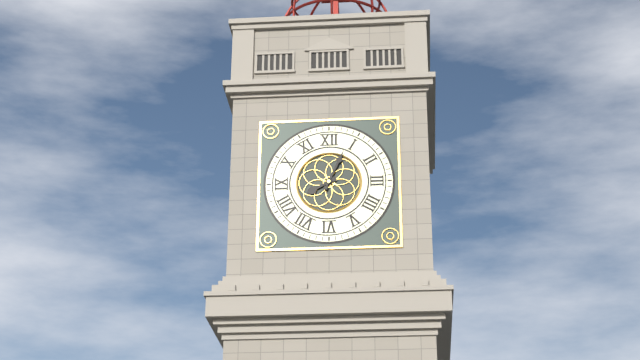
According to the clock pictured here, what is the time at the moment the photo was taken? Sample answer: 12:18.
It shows 8:04
